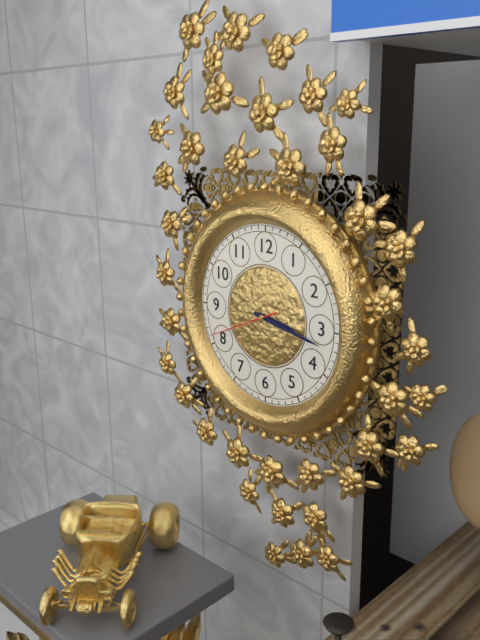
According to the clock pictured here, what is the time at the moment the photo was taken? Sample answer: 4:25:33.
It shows 3:17:41
